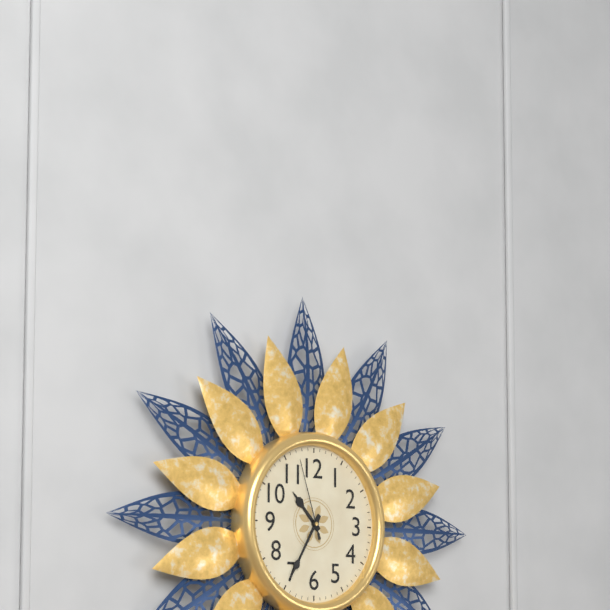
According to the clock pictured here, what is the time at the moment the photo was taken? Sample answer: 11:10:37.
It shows 10:35:57
